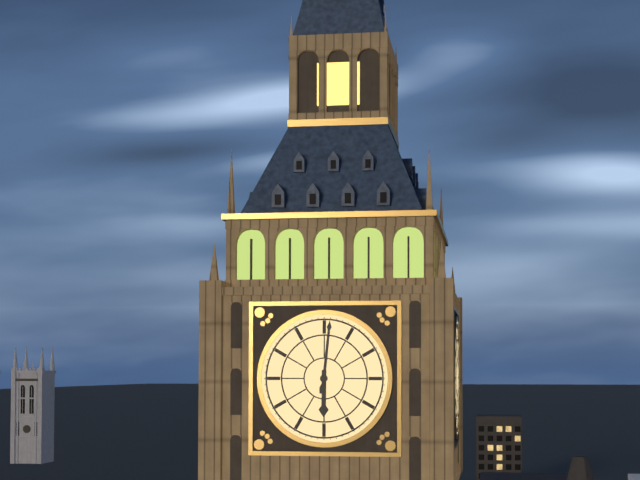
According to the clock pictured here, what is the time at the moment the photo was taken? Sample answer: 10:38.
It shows 6:01
